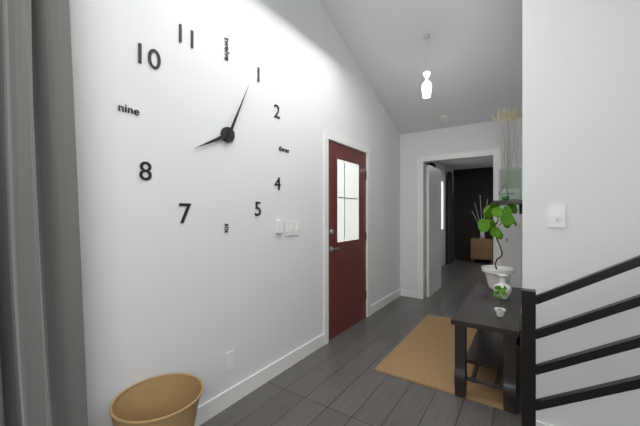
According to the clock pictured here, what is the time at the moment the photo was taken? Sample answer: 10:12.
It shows 8:04
